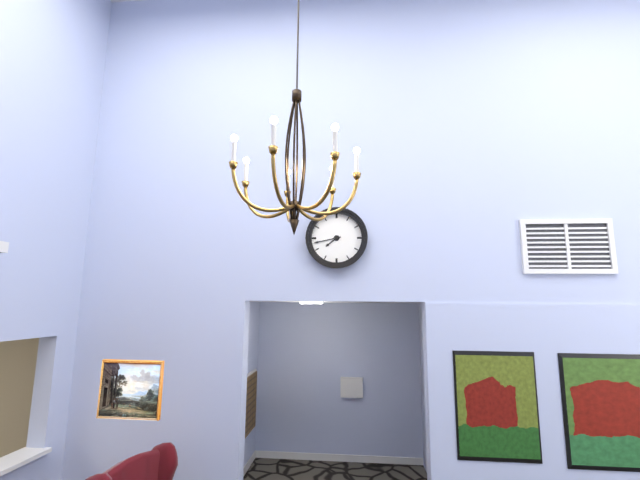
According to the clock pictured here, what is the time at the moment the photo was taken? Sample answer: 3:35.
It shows 7:43
